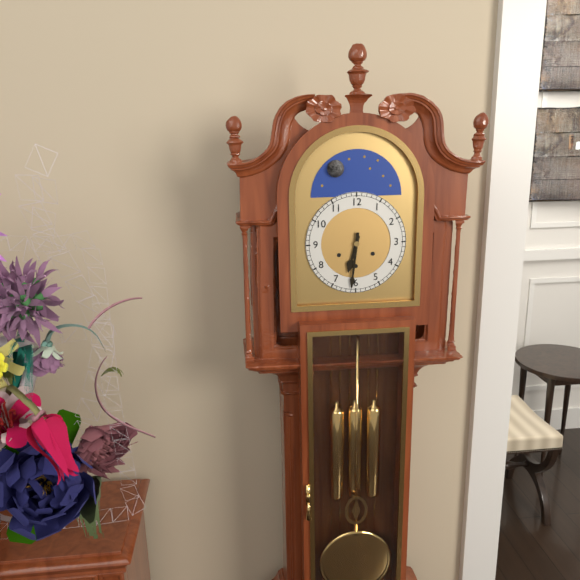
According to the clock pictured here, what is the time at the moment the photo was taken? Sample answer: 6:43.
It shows 6:31
